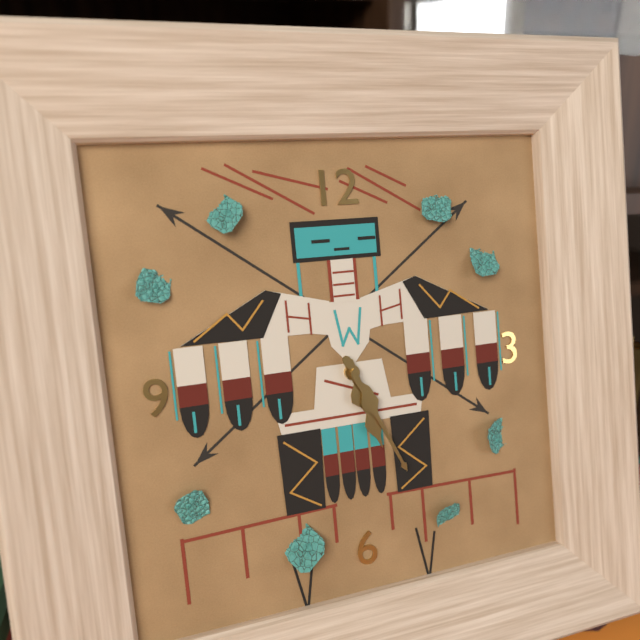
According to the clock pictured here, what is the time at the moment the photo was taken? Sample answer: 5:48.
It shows 5:26
